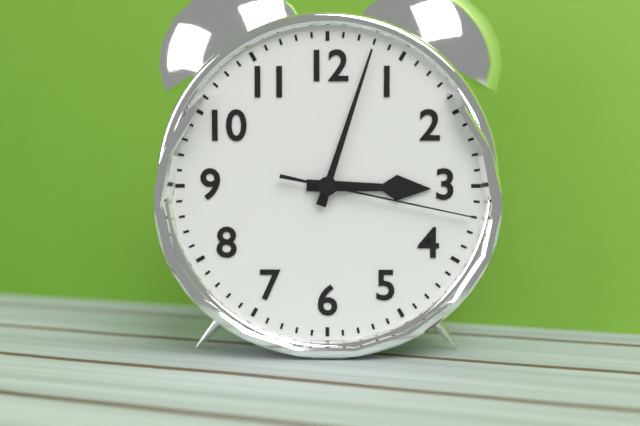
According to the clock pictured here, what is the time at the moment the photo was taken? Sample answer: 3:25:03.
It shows 3:03:17
